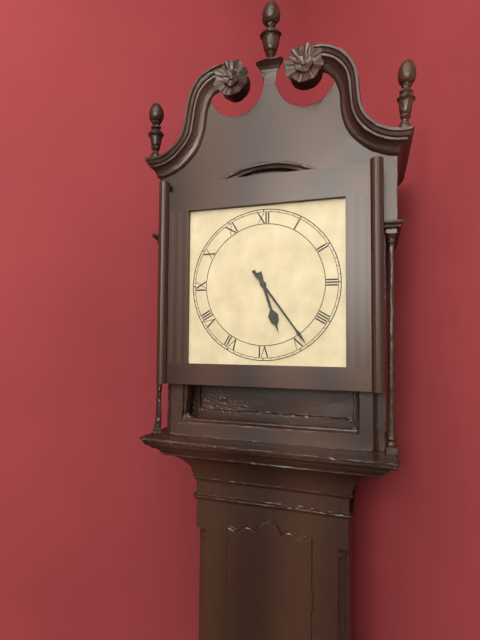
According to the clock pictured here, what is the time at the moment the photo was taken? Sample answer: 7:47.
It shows 5:24
